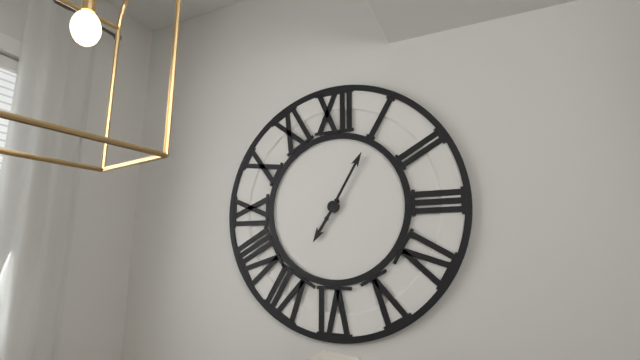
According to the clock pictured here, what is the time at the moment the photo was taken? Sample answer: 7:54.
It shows 7:05
